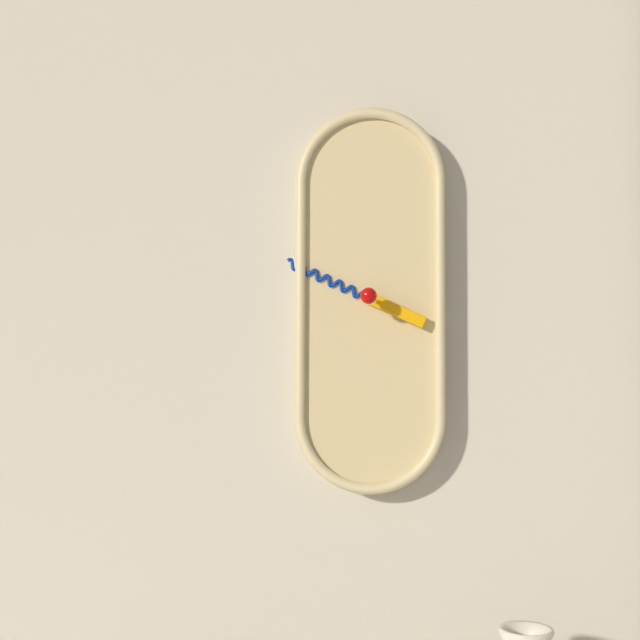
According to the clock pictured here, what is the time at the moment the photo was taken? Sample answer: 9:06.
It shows 3:49
